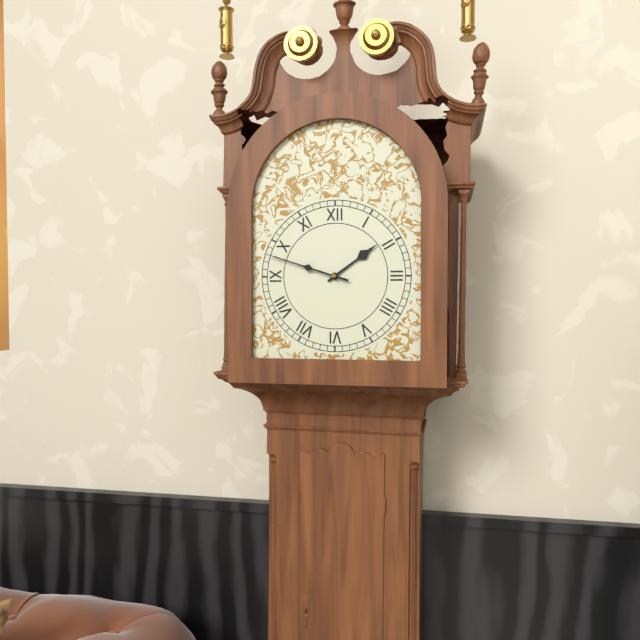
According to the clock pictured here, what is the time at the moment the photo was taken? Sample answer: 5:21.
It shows 1:48
